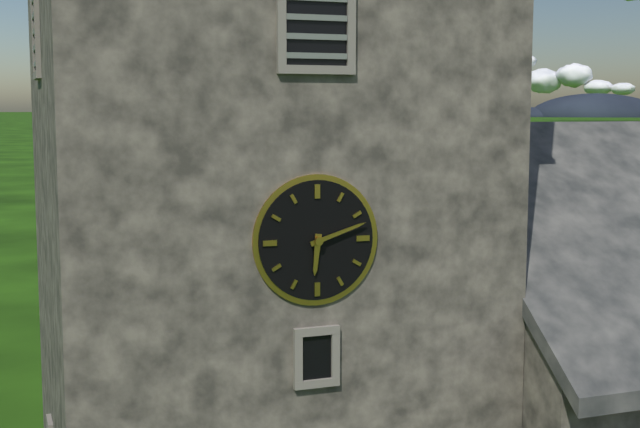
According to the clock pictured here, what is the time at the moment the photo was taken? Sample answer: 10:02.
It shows 6:12
